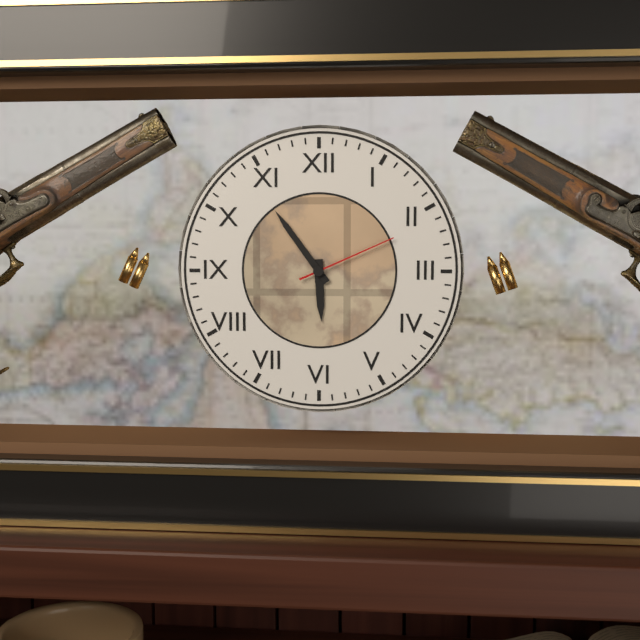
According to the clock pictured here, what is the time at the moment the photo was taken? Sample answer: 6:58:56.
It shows 5:54:11
